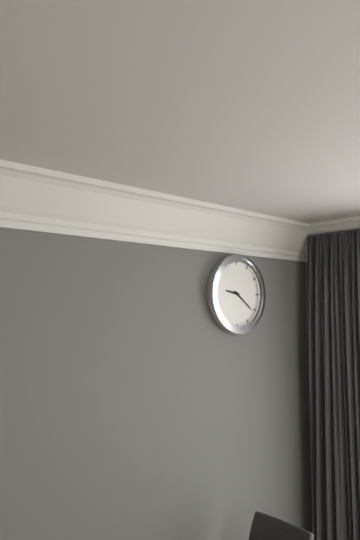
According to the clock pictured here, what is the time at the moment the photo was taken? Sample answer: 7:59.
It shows 9:21
